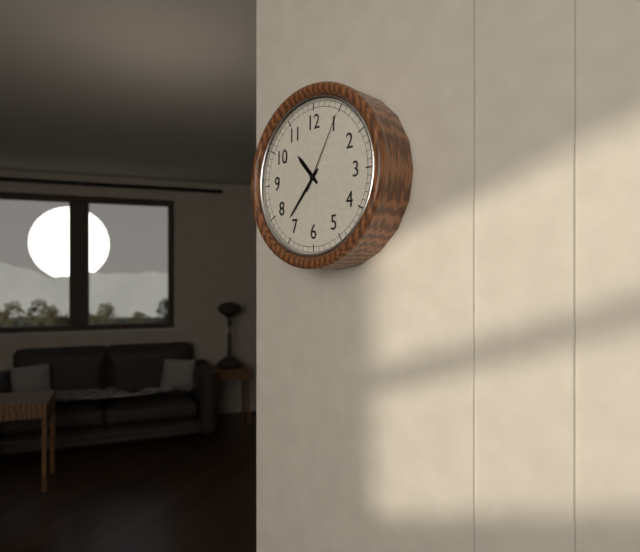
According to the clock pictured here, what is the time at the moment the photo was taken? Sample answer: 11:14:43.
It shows 10:37:05
